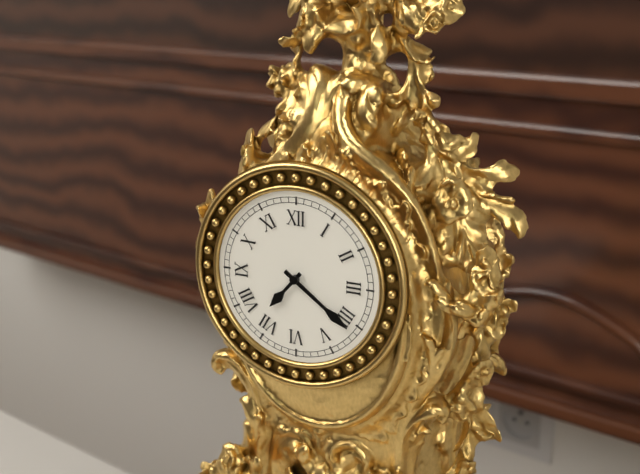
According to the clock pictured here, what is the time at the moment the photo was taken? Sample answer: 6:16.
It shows 7:21
